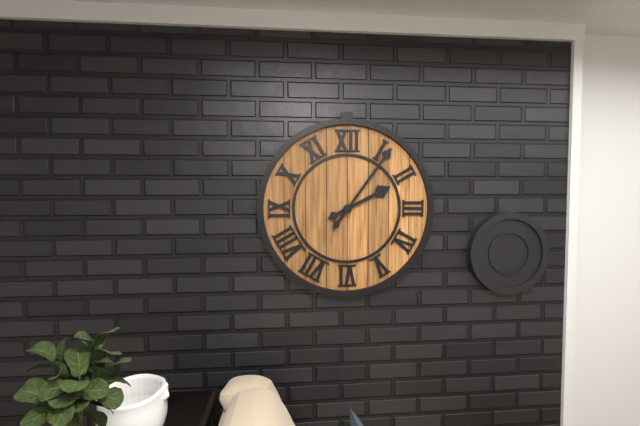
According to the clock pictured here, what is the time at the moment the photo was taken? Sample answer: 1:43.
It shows 2:06
